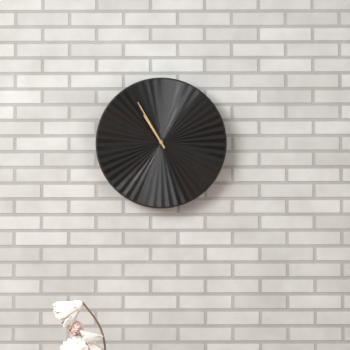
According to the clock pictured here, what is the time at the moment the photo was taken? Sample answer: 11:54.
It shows 10:55
